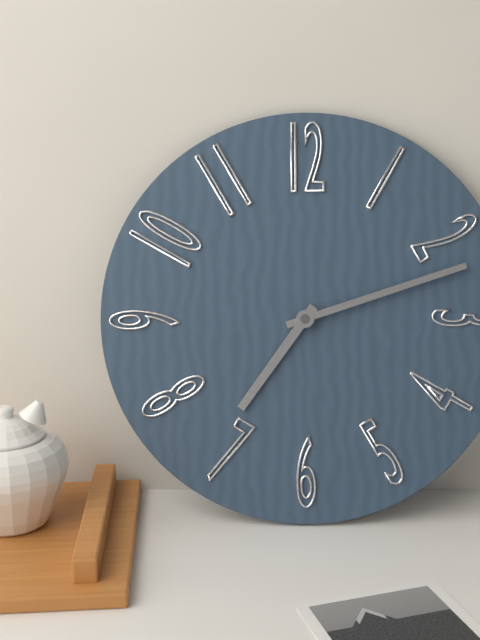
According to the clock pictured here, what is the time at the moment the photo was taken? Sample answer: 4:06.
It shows 7:12
